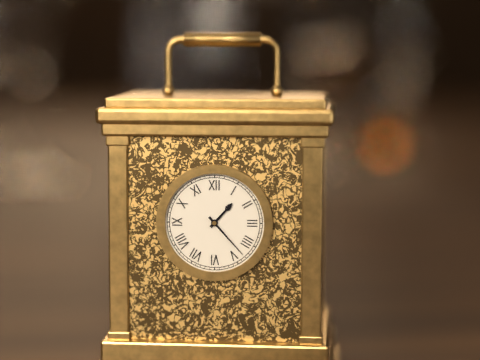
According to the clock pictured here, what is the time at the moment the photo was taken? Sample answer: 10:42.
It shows 1:23
